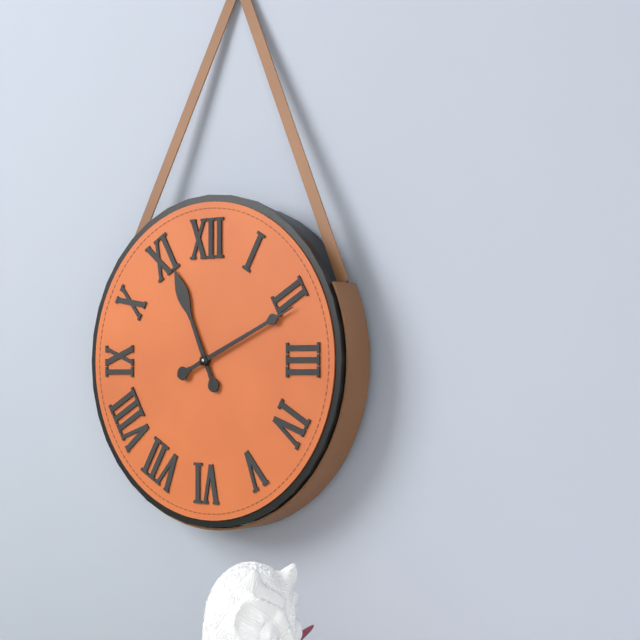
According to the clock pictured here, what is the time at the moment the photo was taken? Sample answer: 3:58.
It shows 11:11
